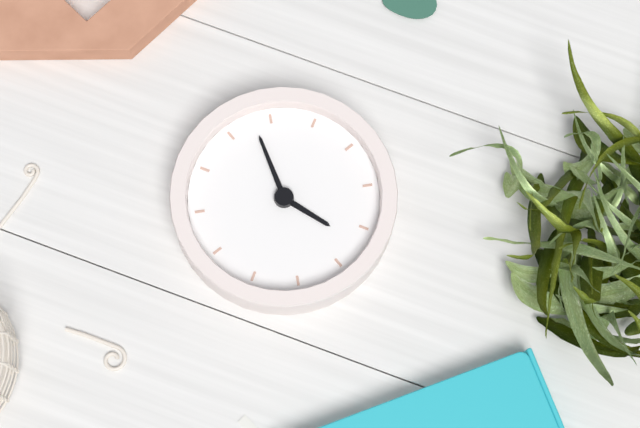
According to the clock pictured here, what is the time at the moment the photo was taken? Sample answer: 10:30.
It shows 9:23
